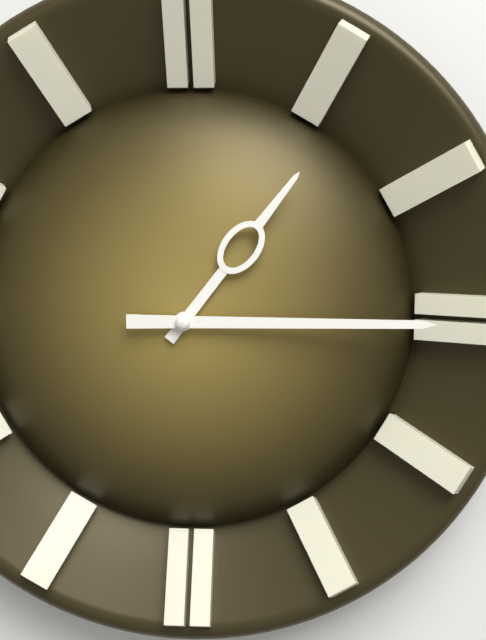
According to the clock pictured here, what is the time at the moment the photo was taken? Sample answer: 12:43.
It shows 1:15
